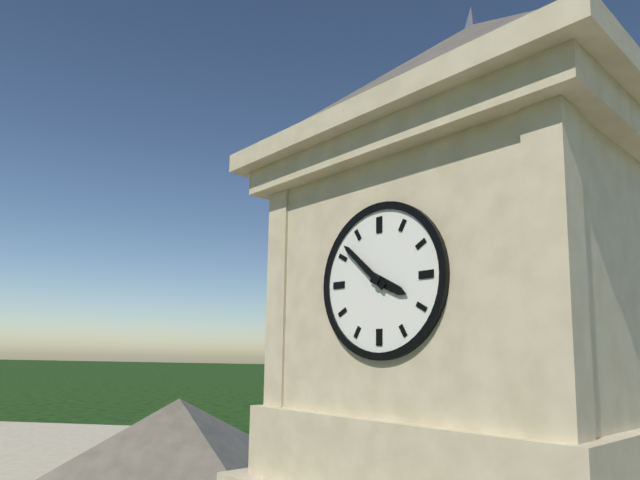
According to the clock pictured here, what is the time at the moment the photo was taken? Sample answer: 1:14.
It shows 3:52
